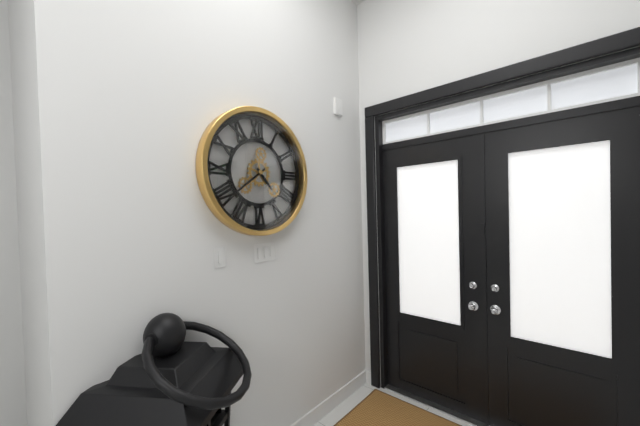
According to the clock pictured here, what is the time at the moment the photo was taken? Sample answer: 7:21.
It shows 4:39
